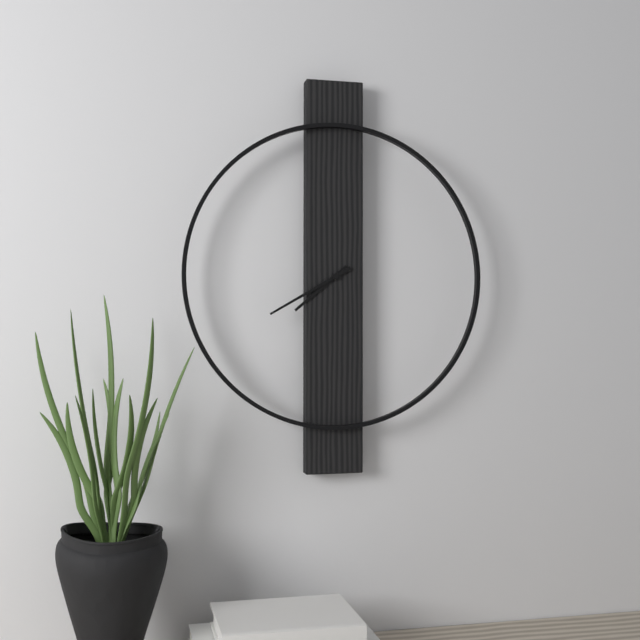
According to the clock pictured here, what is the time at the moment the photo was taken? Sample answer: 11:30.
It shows 7:40
